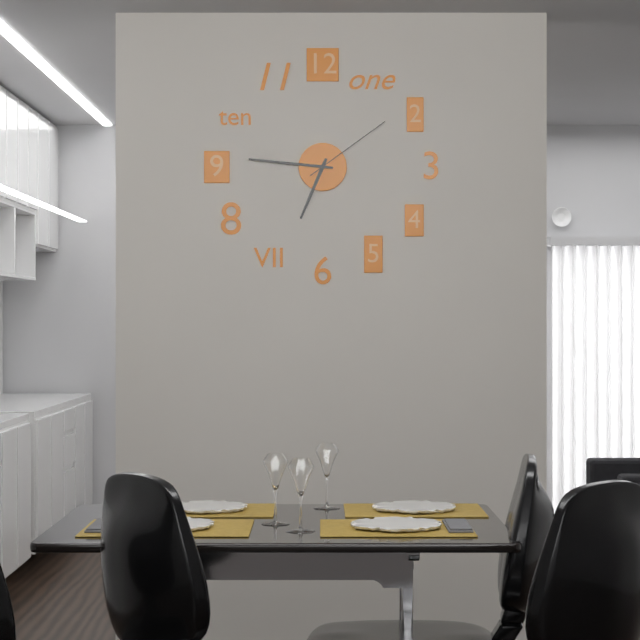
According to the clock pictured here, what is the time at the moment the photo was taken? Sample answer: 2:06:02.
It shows 6:46:09
